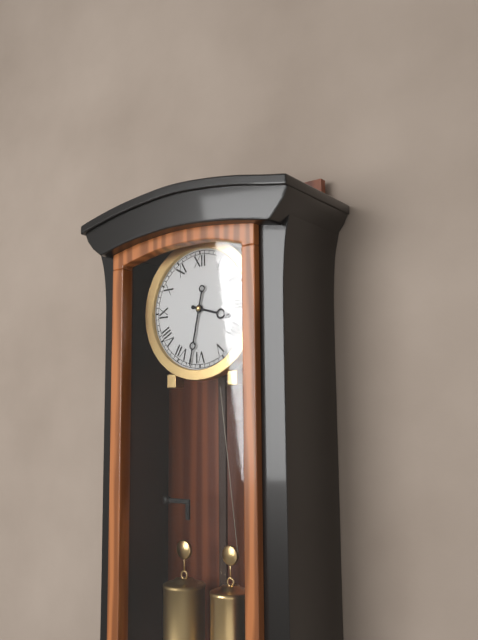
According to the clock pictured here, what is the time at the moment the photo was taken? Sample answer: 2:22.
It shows 3:32
